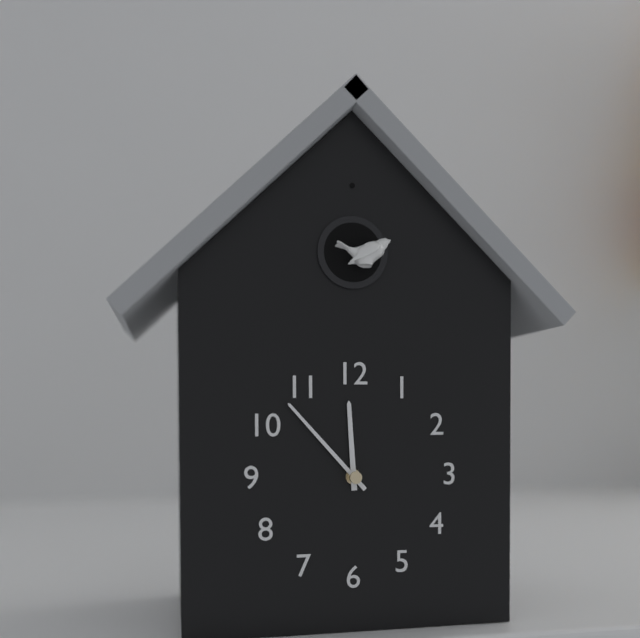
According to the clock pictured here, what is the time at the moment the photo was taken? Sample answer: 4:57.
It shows 11:53
